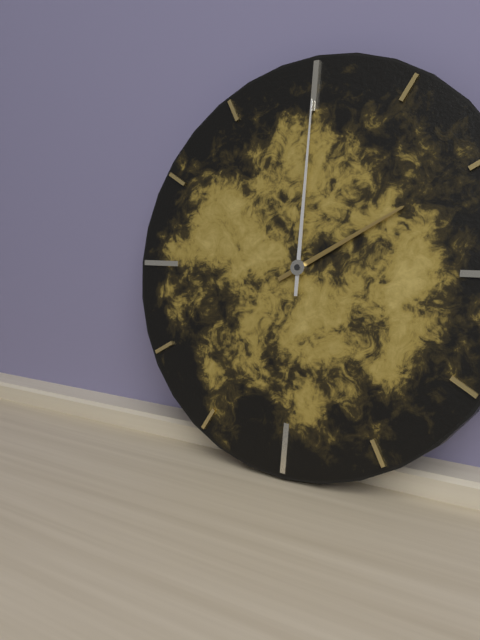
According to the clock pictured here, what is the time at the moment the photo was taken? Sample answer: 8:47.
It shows 2:00
